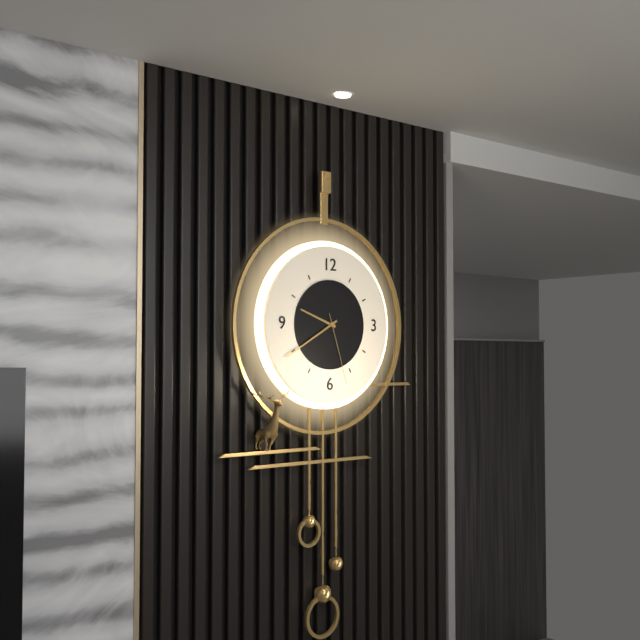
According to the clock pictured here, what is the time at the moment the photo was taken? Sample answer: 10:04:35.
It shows 9:40:27
